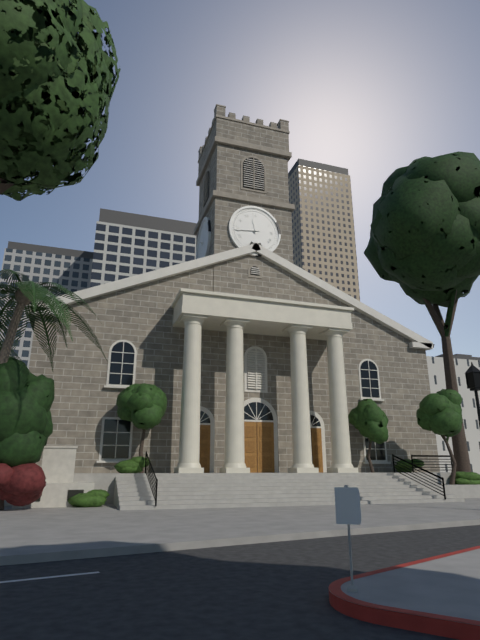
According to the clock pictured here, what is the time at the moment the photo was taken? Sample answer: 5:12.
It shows 11:44
